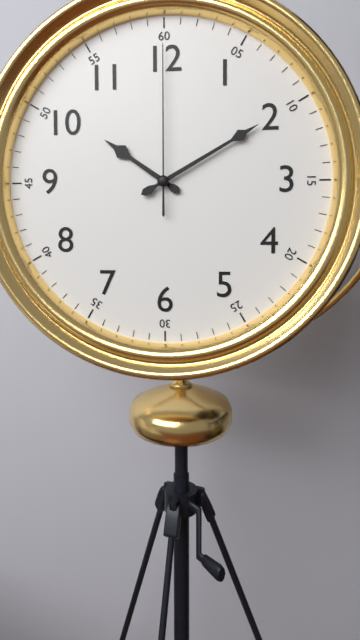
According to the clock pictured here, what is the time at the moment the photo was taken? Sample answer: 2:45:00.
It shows 10:10:00
